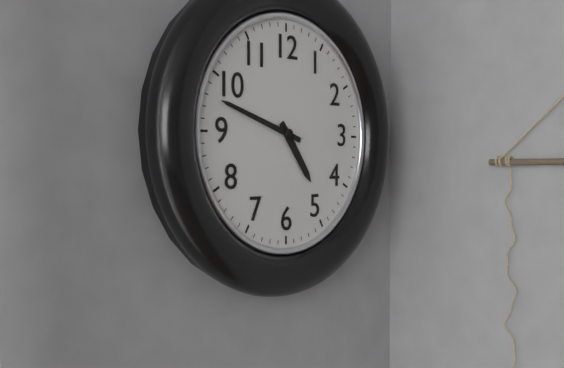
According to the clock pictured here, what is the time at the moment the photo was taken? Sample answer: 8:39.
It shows 4:48
